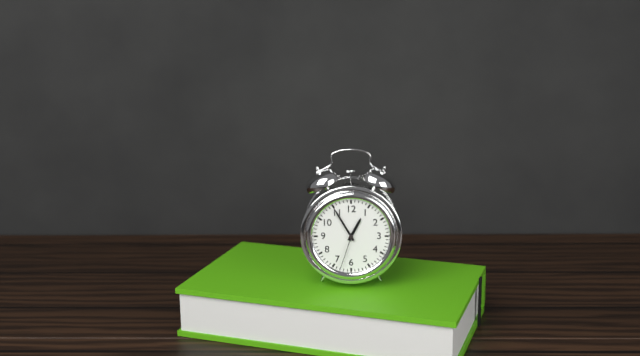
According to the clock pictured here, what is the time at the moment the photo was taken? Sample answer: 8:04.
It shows 12:55
